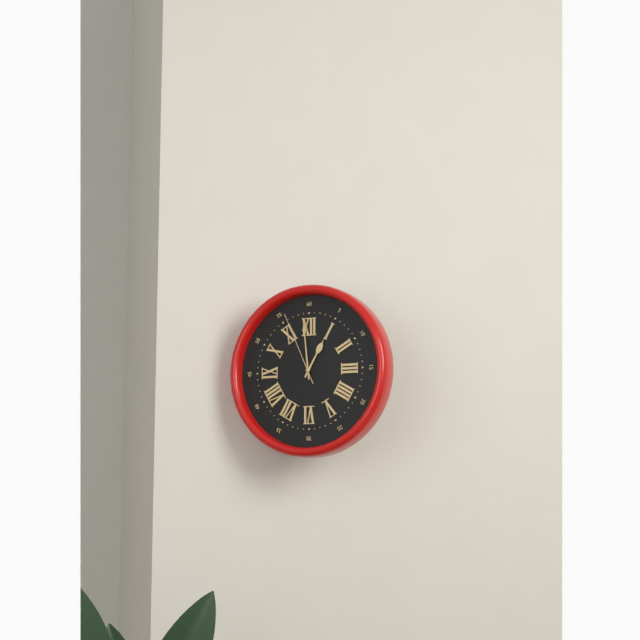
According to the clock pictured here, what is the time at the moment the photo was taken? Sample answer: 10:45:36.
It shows 12:59:56
